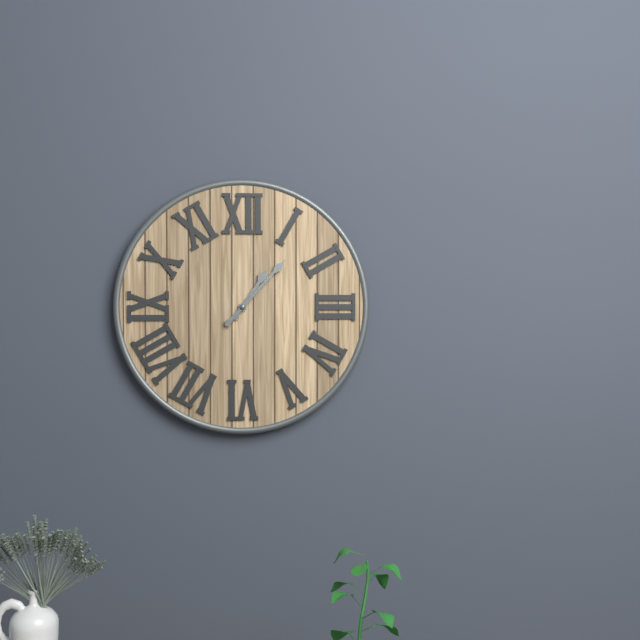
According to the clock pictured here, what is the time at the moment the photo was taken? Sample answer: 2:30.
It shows 1:07
